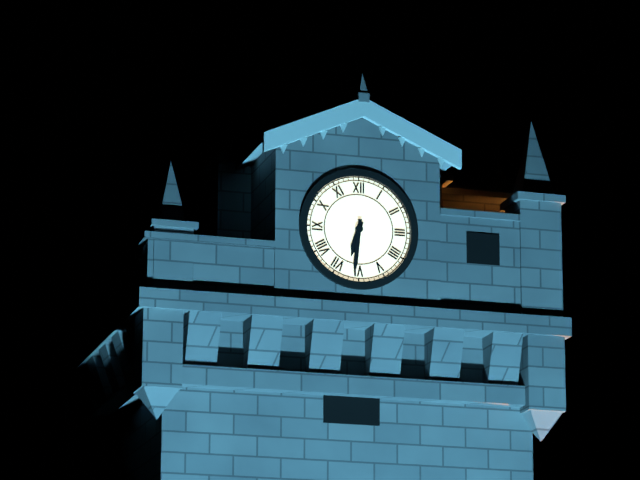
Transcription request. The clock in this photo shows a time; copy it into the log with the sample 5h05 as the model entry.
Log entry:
6h31
